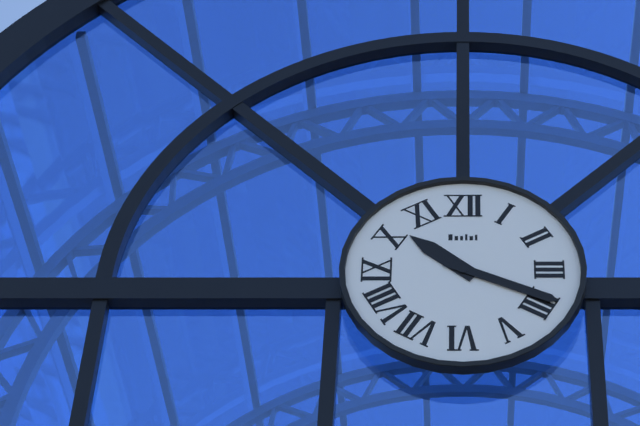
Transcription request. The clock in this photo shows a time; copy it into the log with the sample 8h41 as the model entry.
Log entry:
10h19
